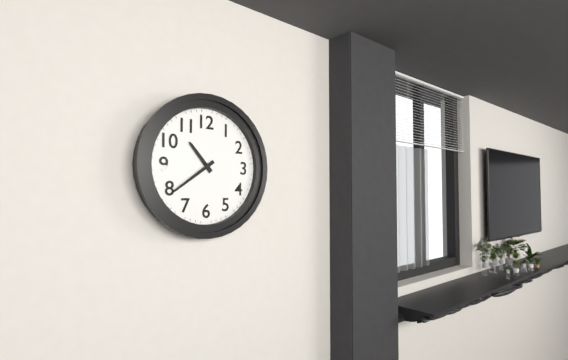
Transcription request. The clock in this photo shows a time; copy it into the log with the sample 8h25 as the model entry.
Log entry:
10h39
